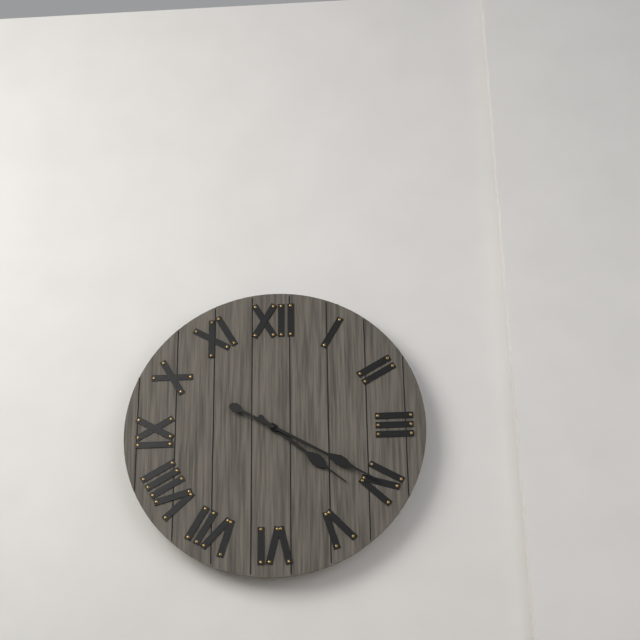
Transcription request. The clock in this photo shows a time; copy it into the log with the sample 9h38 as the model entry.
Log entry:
4h20
